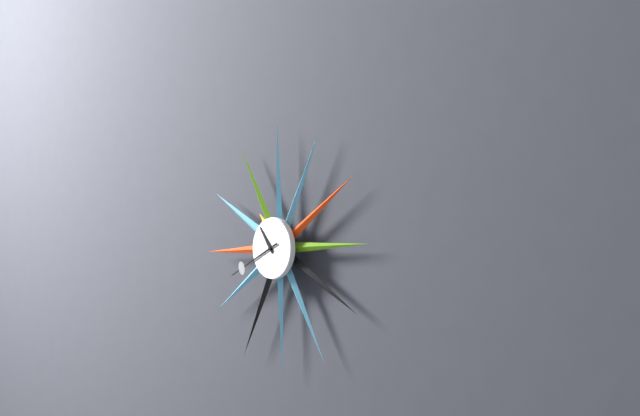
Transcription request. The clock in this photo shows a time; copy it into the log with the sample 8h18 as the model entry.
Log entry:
10h41
